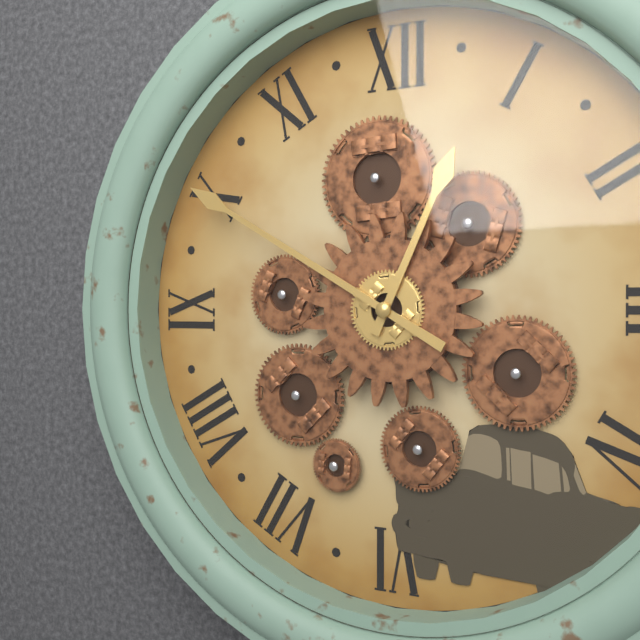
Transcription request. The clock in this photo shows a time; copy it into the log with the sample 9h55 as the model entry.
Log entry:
12h50
